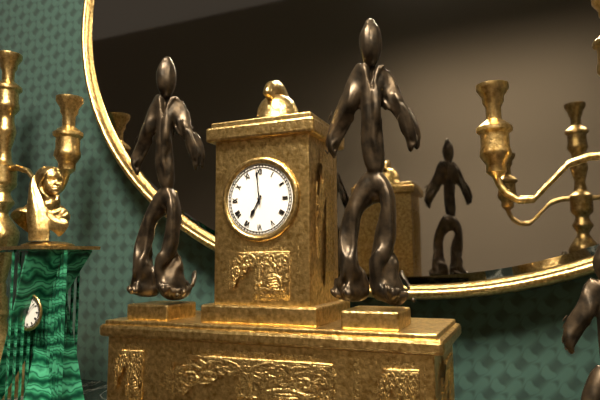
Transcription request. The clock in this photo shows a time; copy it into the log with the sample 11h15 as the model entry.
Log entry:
6h59
